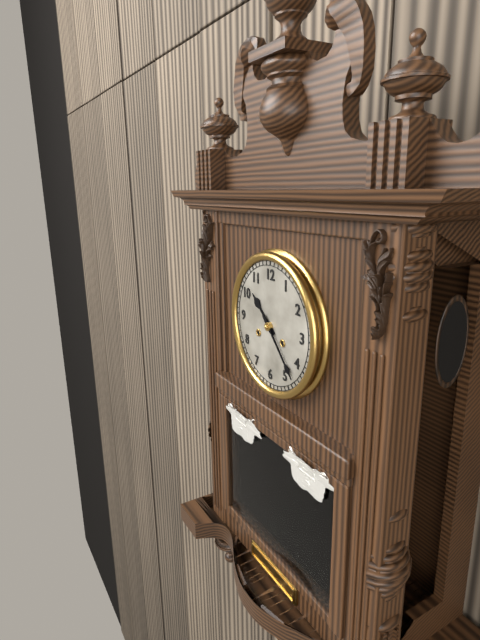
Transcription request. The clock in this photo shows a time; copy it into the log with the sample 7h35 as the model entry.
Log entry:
10h23
